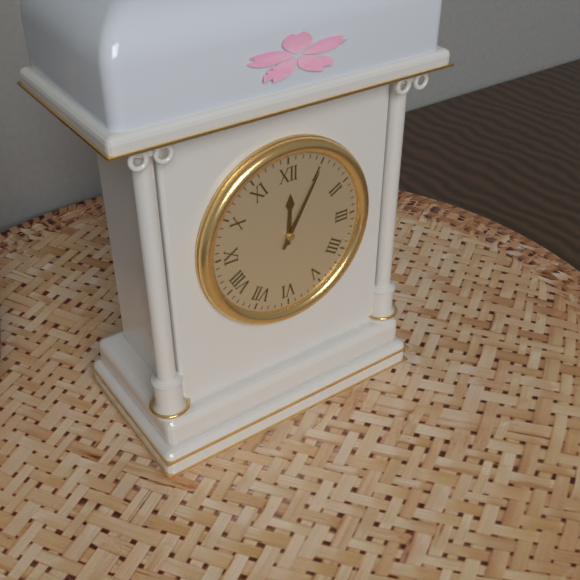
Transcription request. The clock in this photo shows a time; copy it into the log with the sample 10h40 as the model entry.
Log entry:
12h05
